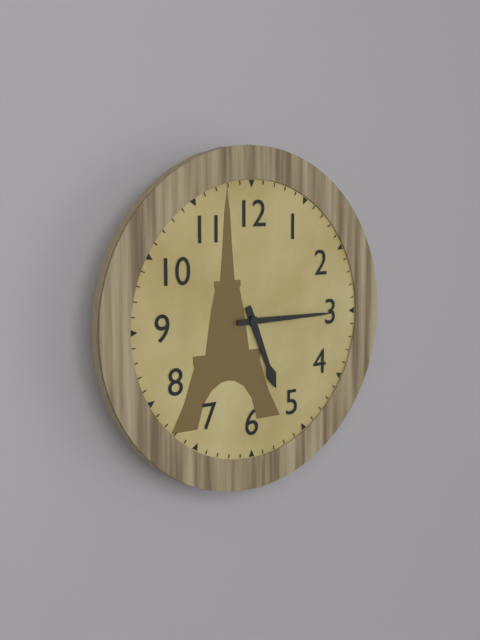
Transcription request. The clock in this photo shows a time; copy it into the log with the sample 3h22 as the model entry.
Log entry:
5h15
